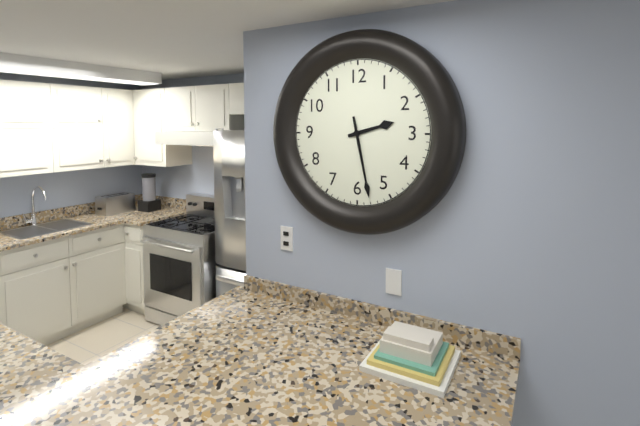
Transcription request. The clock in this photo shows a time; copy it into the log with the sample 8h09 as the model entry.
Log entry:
2h28
